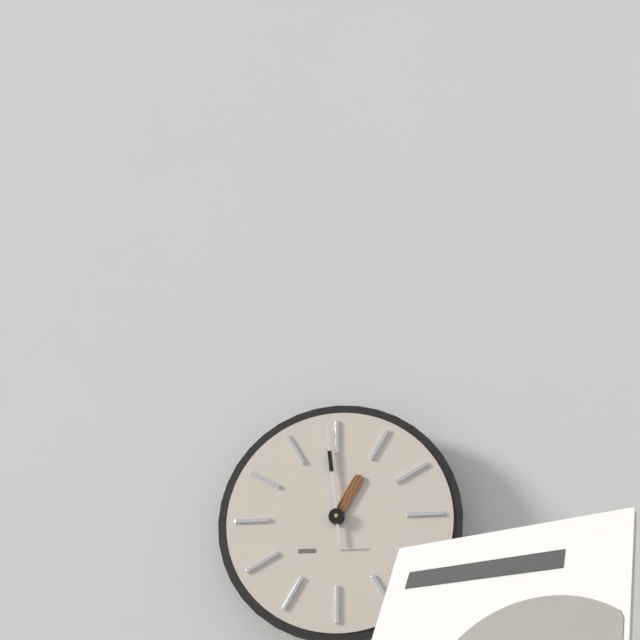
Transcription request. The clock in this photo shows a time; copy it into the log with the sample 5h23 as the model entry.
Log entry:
12h59
